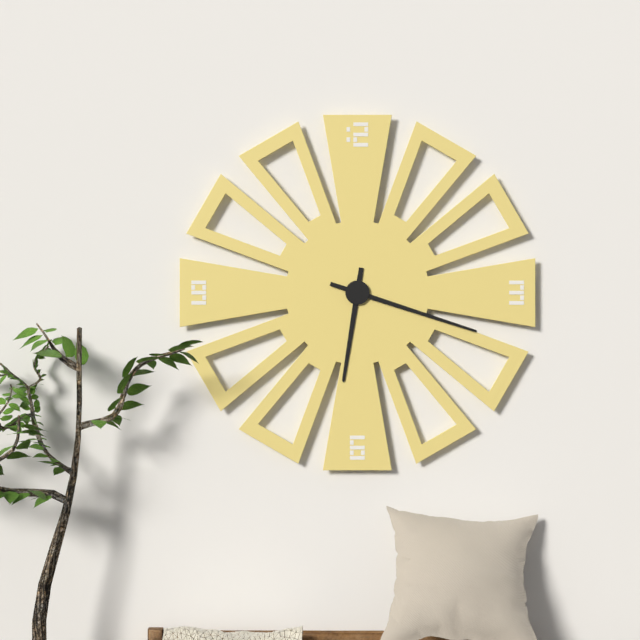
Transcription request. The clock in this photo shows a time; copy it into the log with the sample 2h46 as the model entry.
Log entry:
6h18
